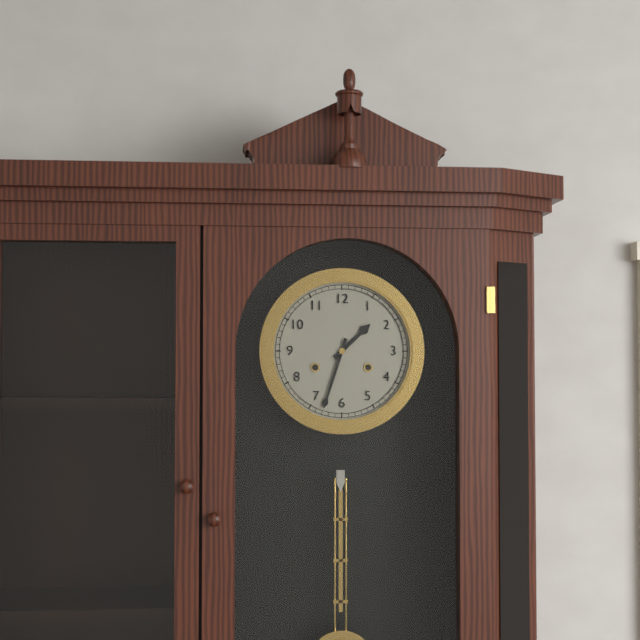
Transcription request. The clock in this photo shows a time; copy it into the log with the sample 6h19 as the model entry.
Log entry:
1h33
